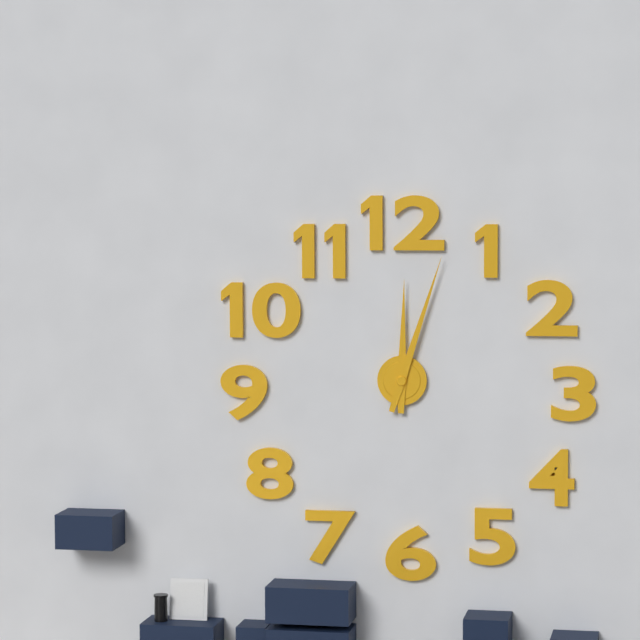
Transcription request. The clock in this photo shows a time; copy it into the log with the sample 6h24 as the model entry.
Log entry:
12h03
